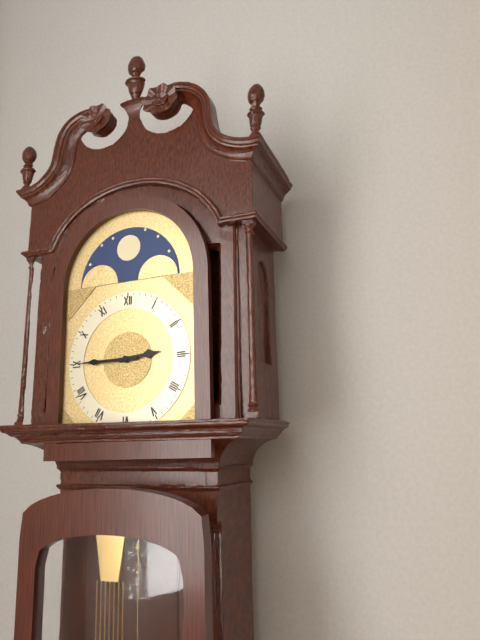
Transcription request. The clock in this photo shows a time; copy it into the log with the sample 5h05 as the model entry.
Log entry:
2h45
